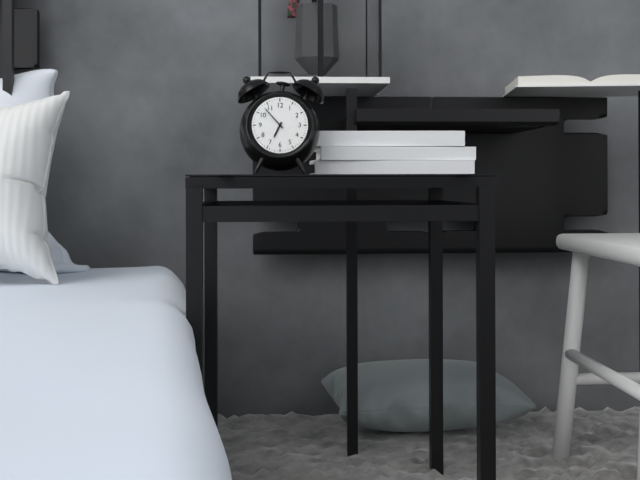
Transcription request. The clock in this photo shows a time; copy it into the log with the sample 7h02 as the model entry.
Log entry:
6h53
